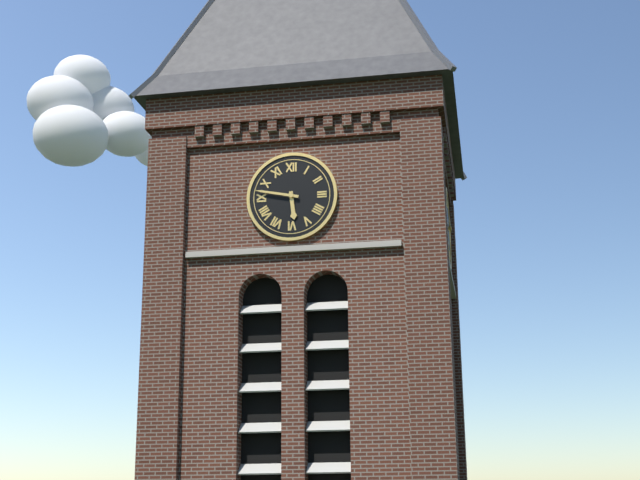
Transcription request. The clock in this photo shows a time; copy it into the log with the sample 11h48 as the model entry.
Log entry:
5h47
